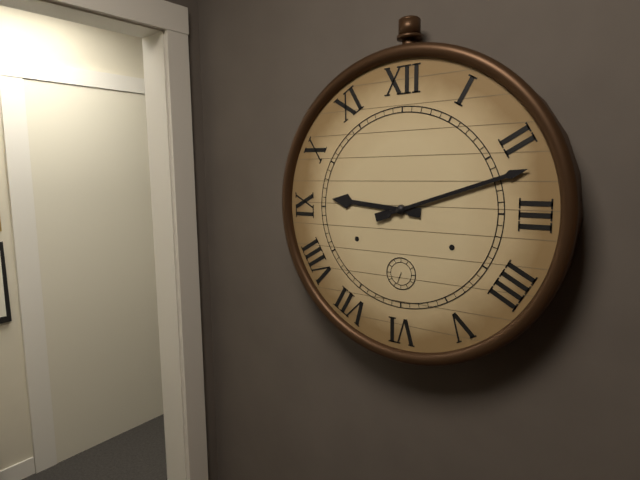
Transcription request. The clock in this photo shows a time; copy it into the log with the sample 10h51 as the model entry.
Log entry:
9h12
